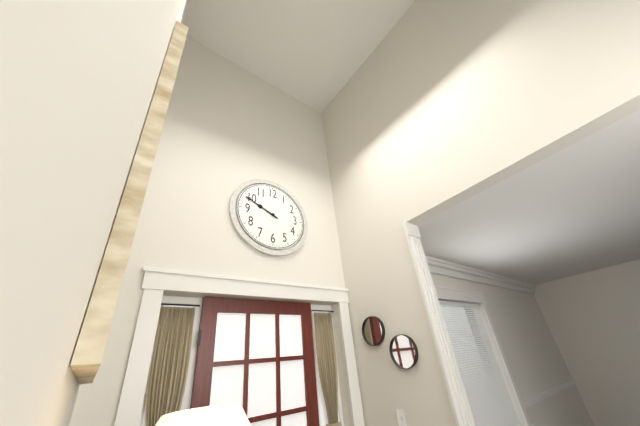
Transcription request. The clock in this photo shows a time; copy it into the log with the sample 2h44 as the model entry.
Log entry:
9h49
